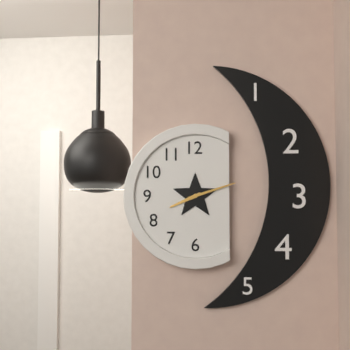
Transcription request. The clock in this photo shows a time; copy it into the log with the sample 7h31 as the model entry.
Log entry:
8h12
